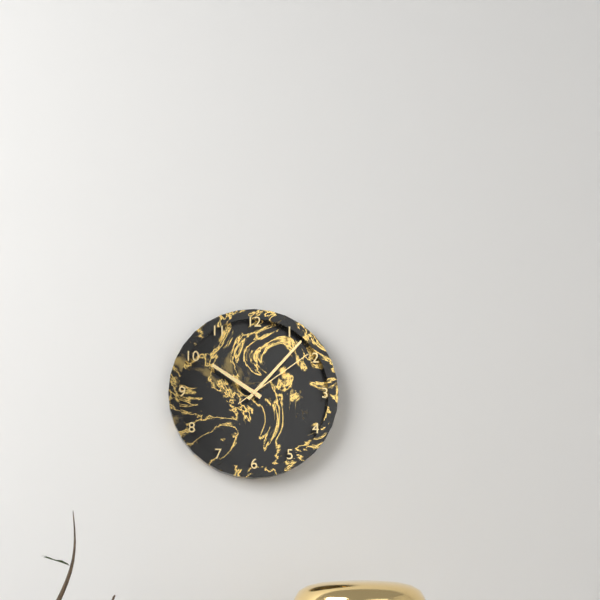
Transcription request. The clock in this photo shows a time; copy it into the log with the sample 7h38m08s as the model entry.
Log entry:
10h07m09s
